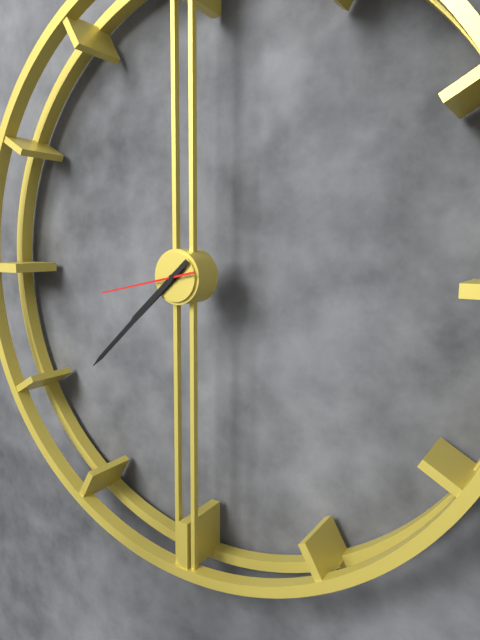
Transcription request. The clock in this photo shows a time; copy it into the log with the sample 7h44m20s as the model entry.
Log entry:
7h38m43s
